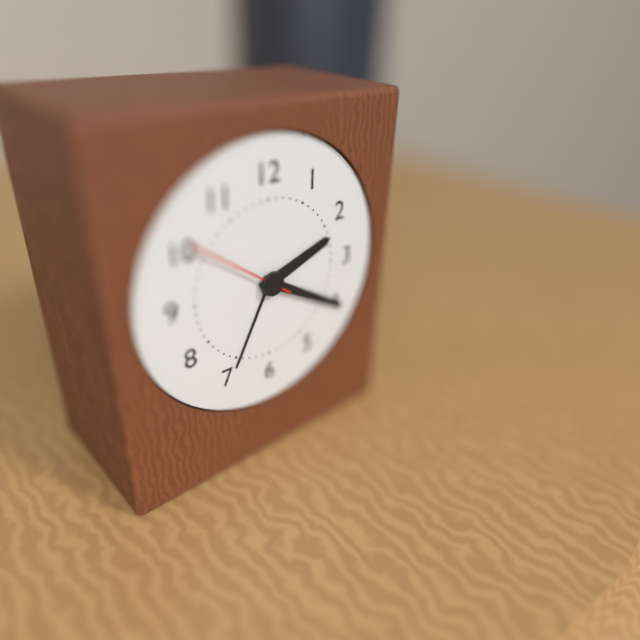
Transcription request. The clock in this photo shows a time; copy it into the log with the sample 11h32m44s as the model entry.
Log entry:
2h20m51s
